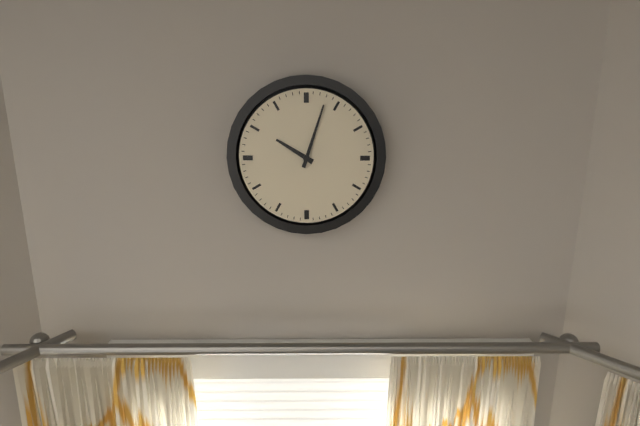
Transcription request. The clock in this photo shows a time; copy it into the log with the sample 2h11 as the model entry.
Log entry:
10h03
